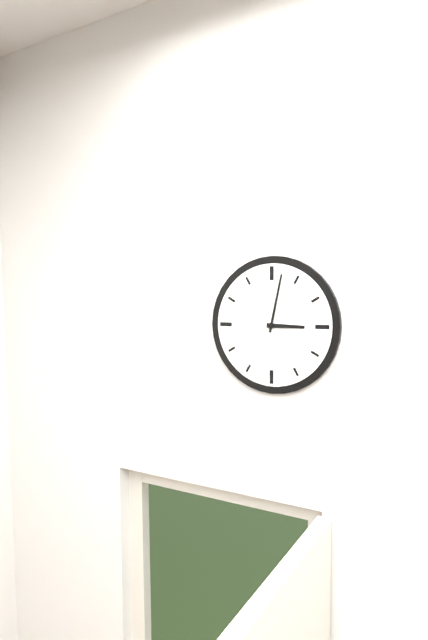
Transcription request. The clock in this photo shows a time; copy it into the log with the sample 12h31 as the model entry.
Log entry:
3h02
